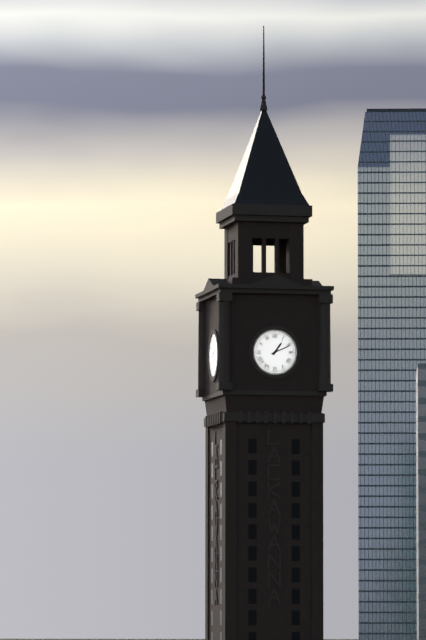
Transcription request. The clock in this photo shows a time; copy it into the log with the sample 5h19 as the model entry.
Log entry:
1h11
